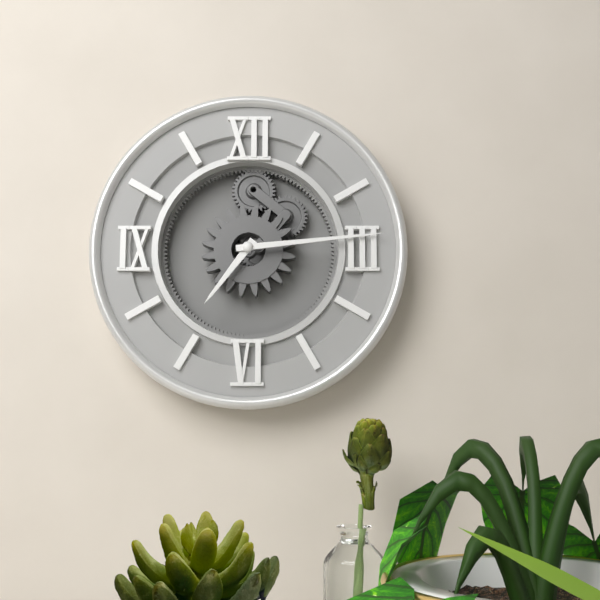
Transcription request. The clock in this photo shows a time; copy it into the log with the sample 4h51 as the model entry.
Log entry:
7h14
